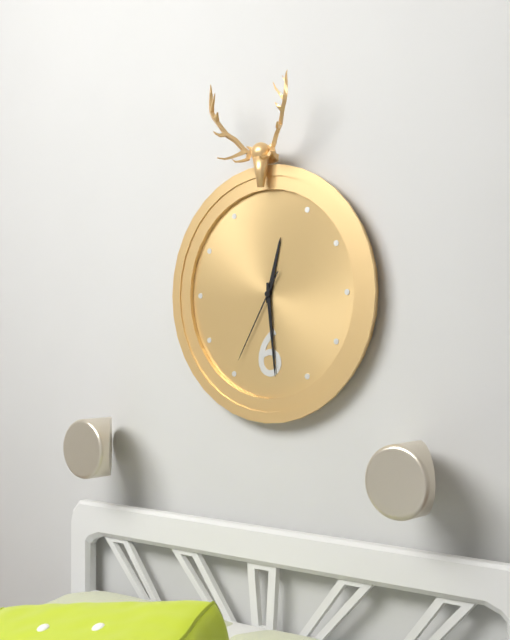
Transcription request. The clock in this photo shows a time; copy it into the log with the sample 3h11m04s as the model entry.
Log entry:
12h29m35s
